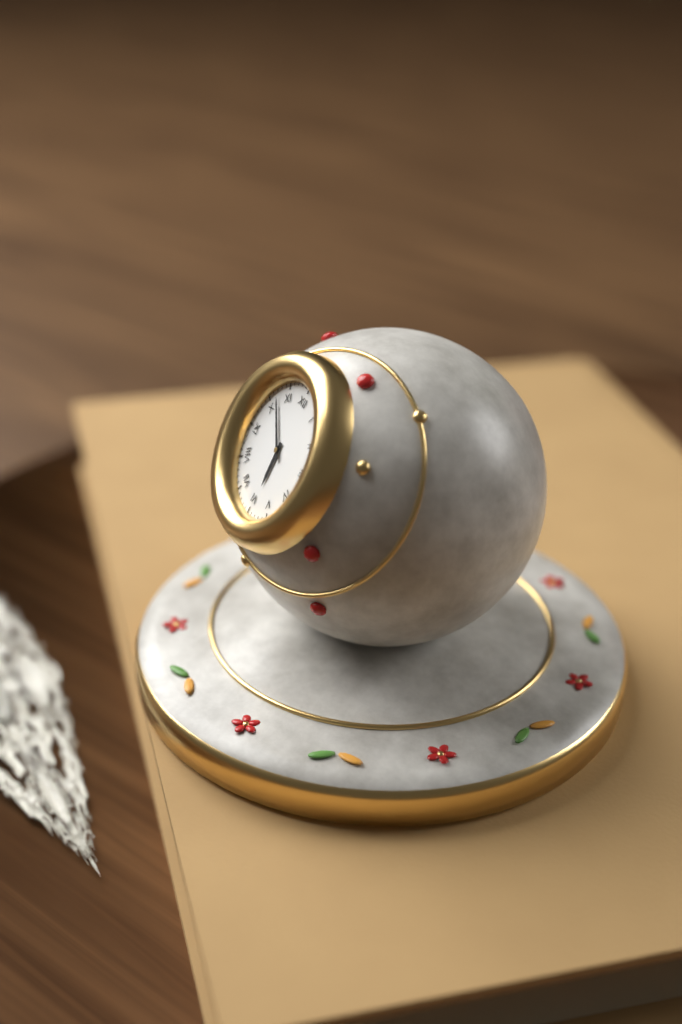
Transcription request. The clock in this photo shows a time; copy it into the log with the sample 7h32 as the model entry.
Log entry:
5h52
